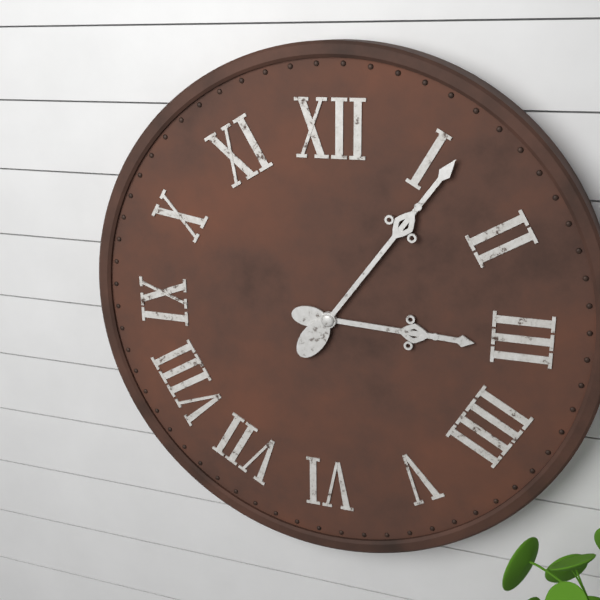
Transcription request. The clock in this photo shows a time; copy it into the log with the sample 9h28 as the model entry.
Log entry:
3h06
